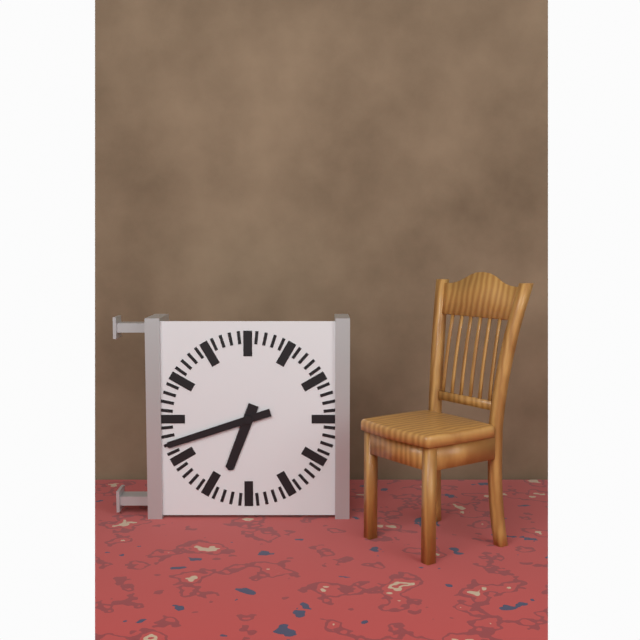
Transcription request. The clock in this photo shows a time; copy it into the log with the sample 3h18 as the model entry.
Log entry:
6h42
